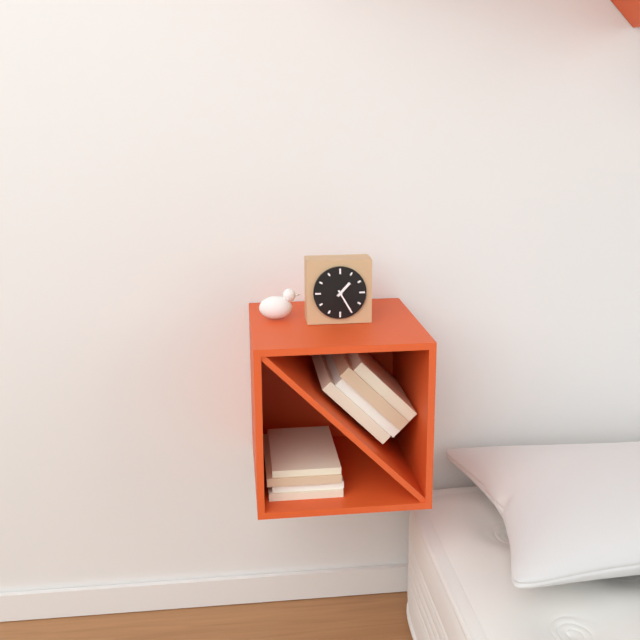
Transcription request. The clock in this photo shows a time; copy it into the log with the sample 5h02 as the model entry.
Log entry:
1h25
